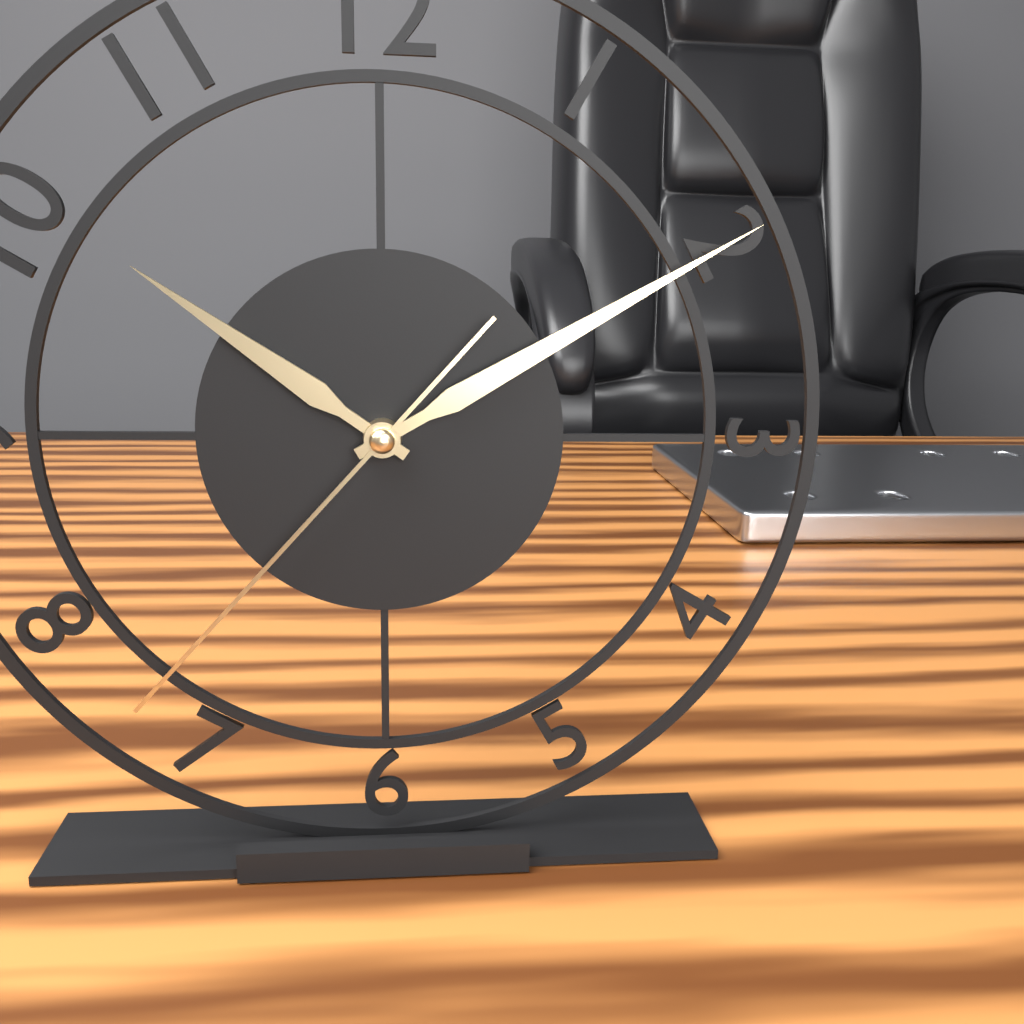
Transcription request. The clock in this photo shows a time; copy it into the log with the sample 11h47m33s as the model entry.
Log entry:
10h10m37s
